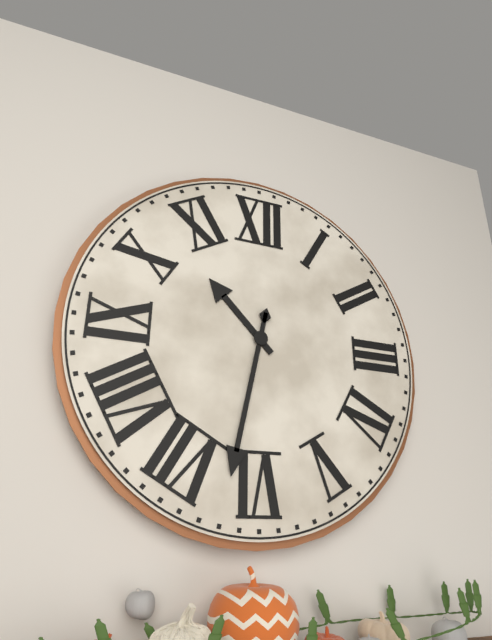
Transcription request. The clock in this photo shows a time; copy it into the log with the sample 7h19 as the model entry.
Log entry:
10h32
